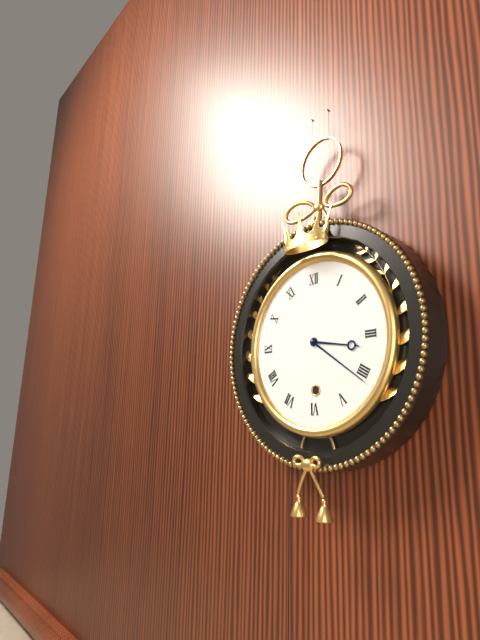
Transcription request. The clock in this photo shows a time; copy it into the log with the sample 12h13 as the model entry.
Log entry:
3h21
